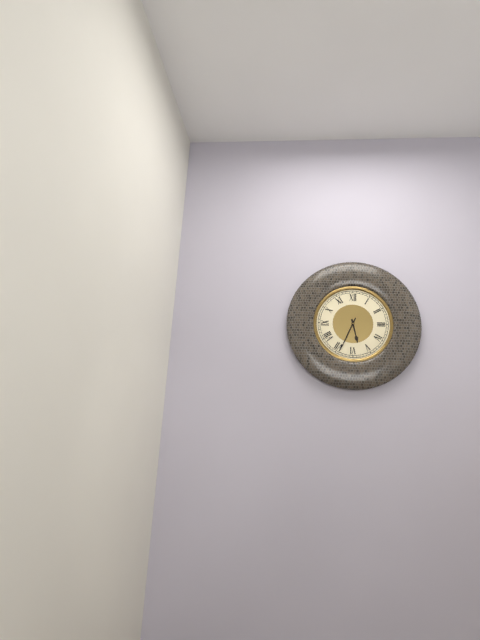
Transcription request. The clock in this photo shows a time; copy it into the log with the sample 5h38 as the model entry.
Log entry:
5h34
